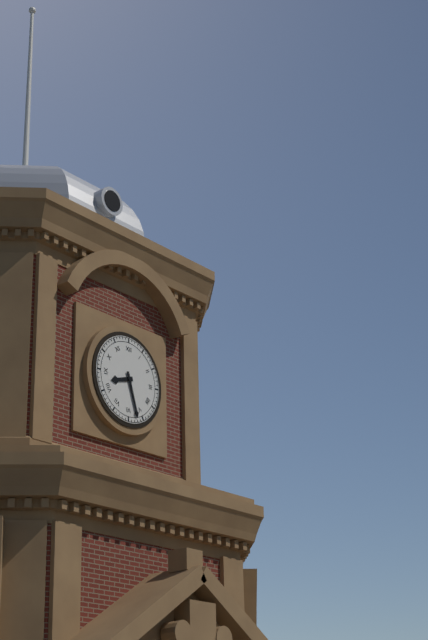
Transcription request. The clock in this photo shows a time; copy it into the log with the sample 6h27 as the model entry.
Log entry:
8h27
